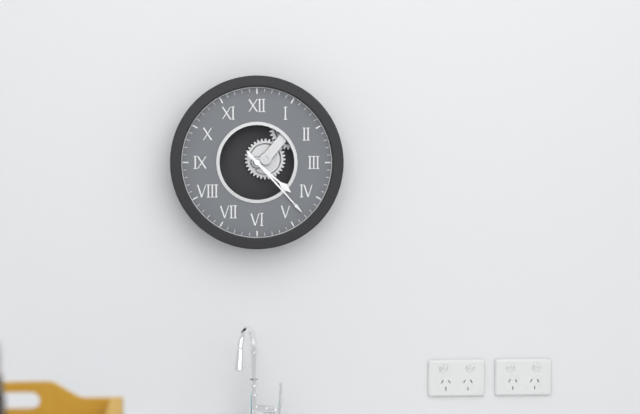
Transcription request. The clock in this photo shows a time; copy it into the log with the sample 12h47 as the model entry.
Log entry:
4h23
